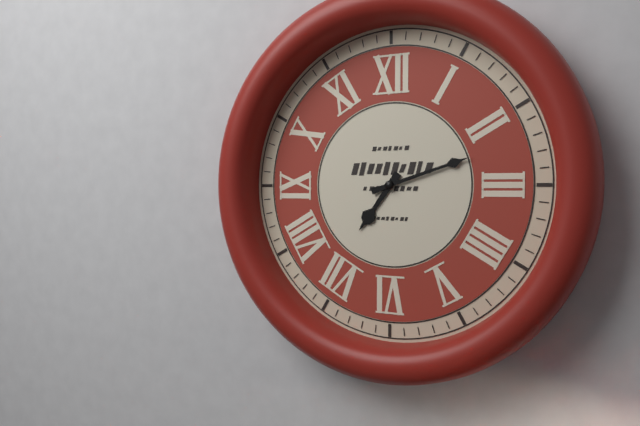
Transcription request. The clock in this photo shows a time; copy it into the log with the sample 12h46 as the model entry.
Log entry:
7h12
